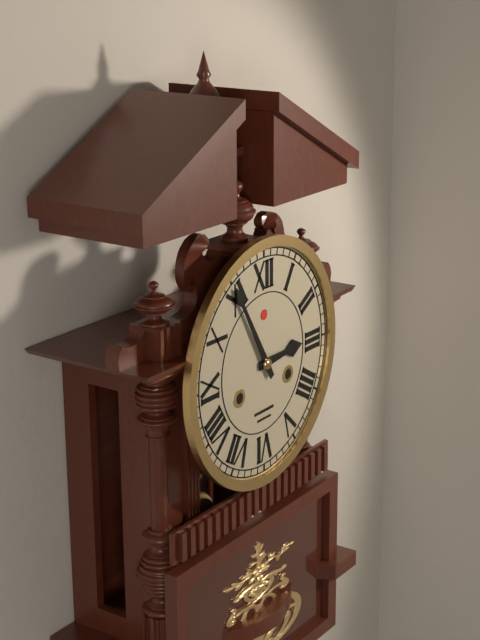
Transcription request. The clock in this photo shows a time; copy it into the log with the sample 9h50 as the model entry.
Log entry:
2h55
